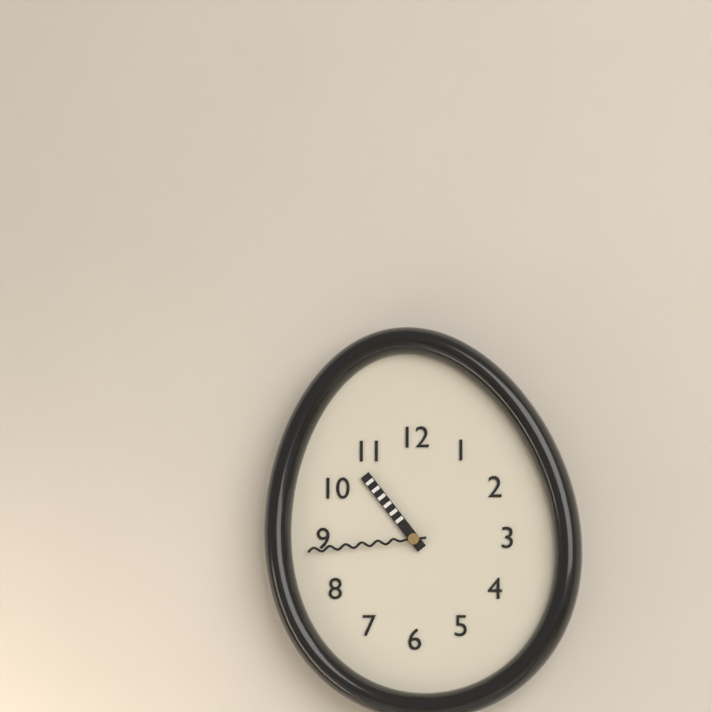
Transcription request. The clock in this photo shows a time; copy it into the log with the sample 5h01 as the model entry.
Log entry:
10h44
